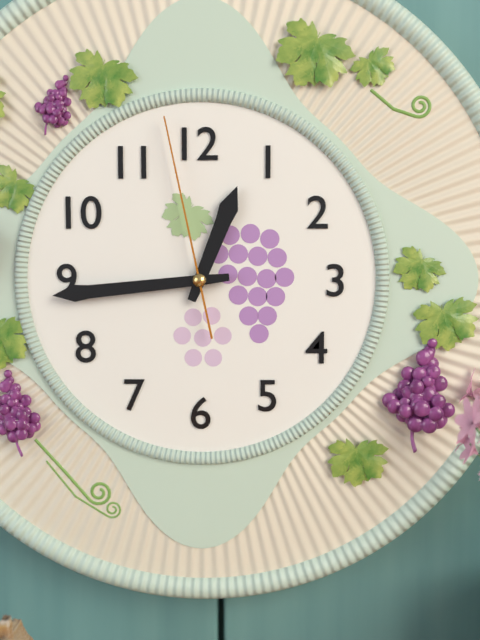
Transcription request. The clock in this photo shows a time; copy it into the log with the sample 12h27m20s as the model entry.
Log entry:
12h44m58s
